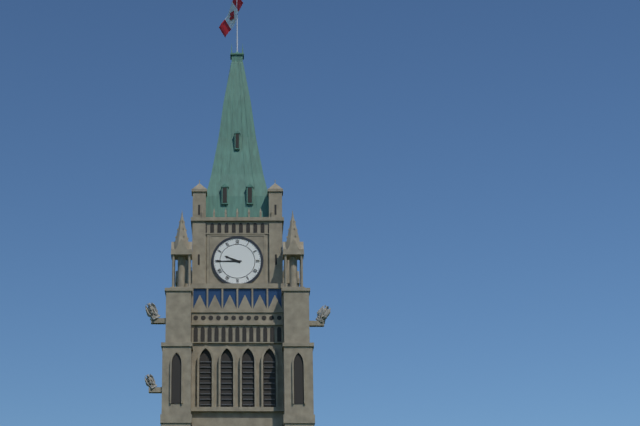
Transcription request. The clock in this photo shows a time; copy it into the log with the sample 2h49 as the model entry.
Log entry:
9h45
